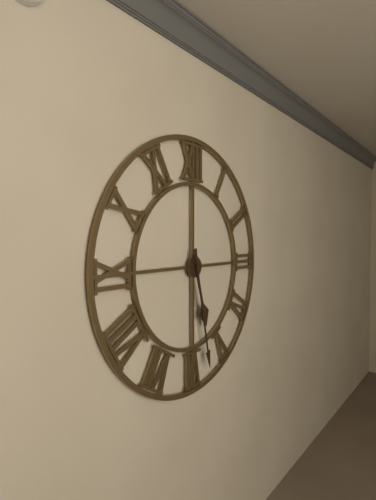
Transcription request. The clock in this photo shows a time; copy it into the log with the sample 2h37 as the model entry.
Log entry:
5h28
